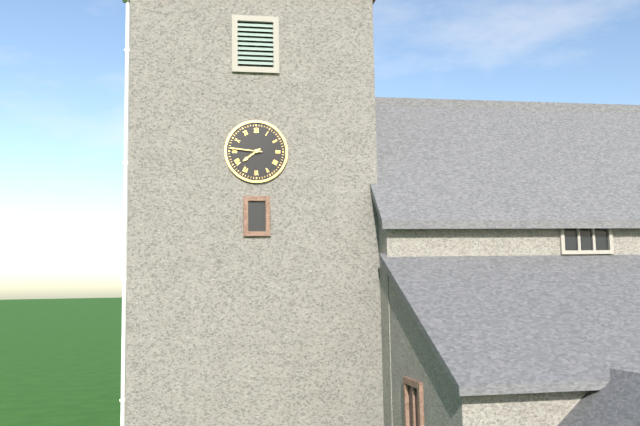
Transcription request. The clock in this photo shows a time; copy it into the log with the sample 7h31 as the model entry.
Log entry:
7h46
